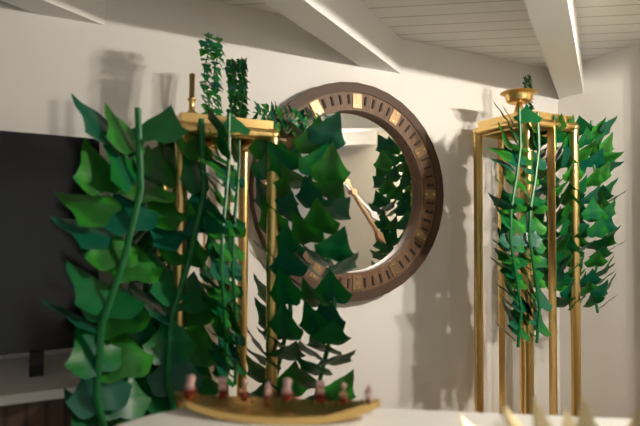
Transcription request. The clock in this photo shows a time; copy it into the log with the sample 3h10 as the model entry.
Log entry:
4h24
